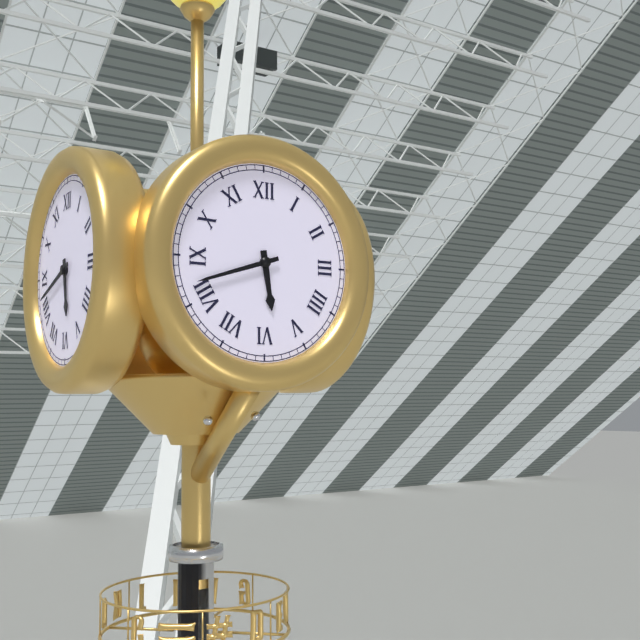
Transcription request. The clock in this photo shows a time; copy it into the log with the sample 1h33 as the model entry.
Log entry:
5h42
